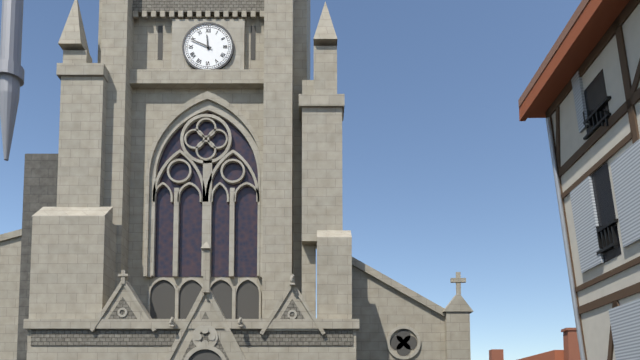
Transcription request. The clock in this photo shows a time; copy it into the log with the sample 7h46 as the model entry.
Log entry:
11h49
